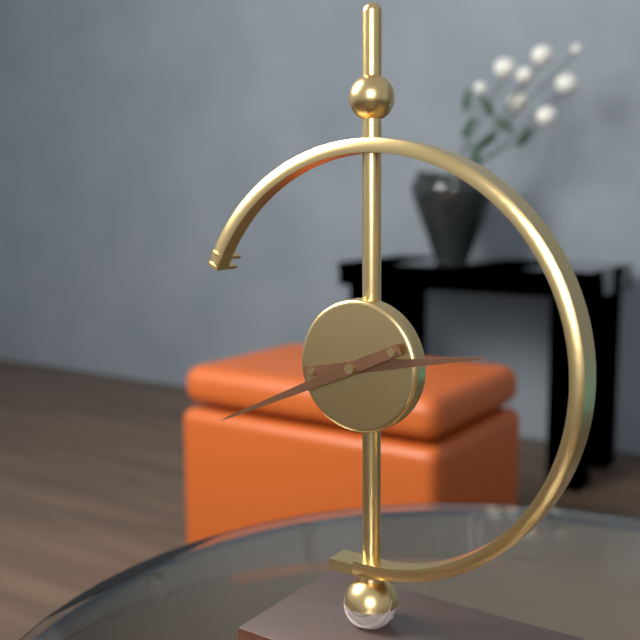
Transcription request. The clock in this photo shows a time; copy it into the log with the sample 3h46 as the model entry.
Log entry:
2h41
